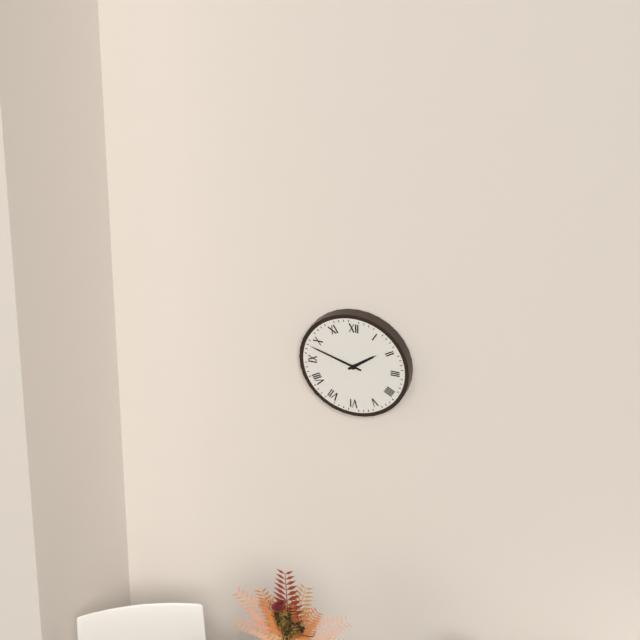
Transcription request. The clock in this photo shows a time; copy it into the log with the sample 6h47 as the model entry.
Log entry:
1h48
